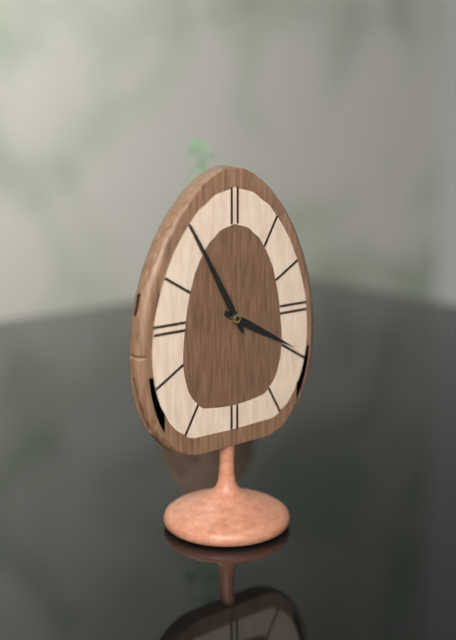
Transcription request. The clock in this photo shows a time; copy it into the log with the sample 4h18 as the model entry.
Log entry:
3h55
